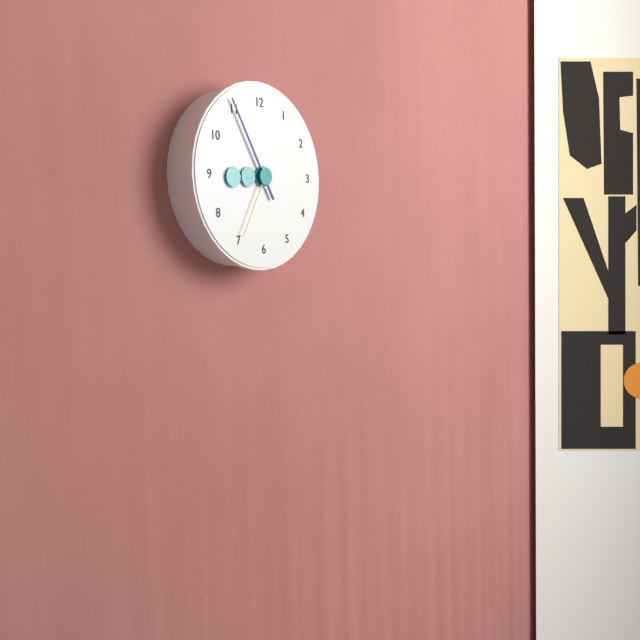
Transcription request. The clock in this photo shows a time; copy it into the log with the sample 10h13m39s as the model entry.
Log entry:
8h55m35s
